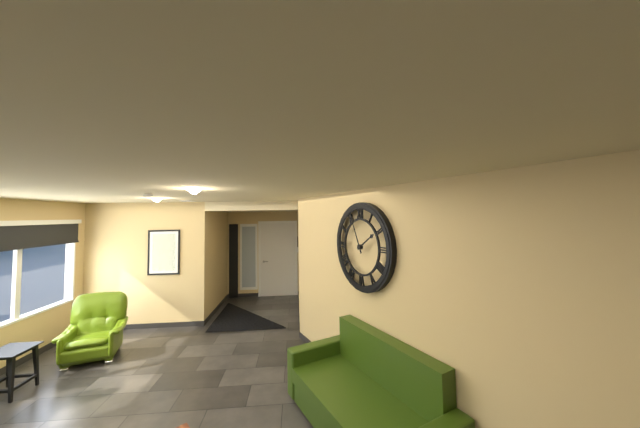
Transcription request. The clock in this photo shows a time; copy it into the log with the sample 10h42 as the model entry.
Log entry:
1h56
